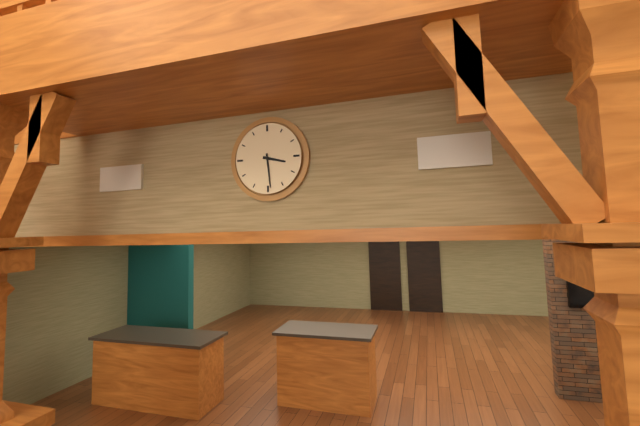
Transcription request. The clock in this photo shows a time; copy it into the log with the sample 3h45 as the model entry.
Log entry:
3h29
